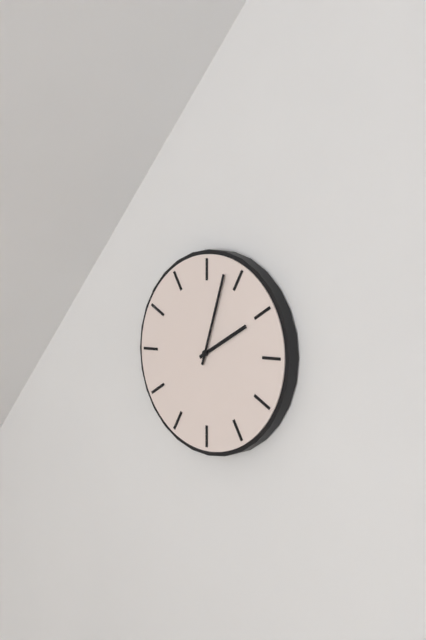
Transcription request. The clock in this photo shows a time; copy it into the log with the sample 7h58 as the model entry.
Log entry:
2h03
